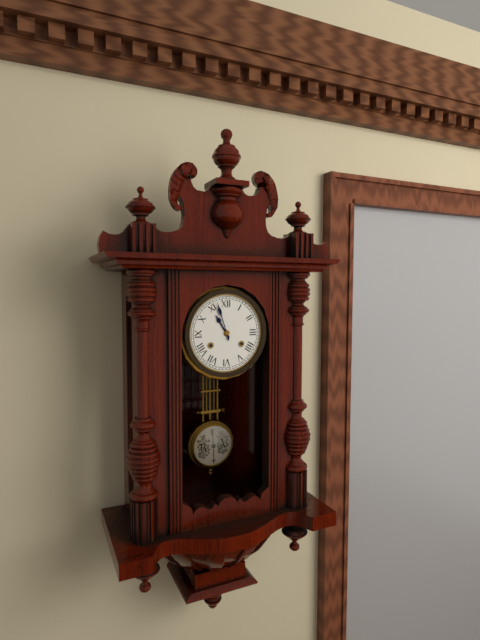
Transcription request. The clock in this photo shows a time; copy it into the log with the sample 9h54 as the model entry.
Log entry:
10h57
